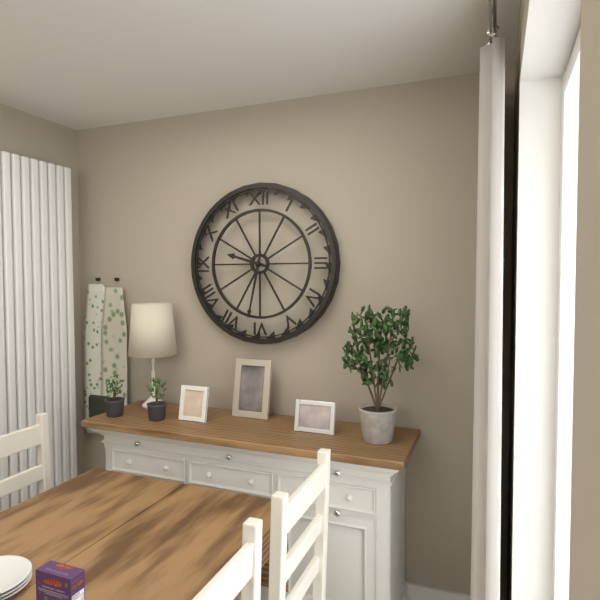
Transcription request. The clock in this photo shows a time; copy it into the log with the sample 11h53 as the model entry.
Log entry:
9h32
